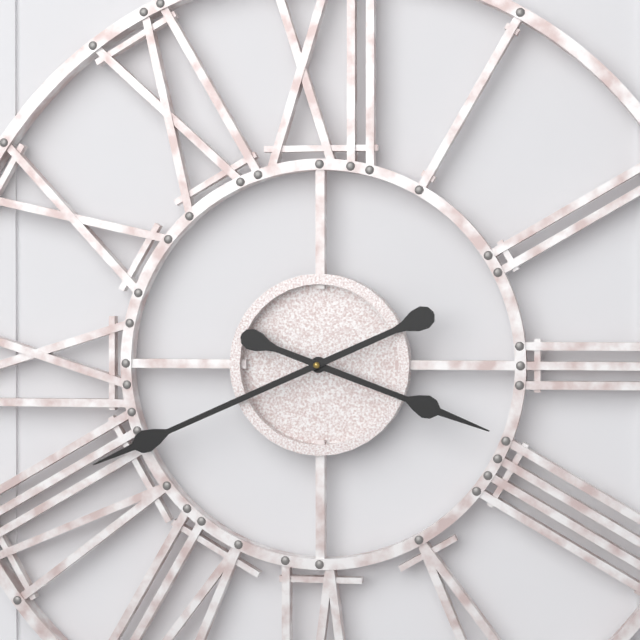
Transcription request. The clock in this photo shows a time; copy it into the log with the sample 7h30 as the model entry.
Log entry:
3h41
